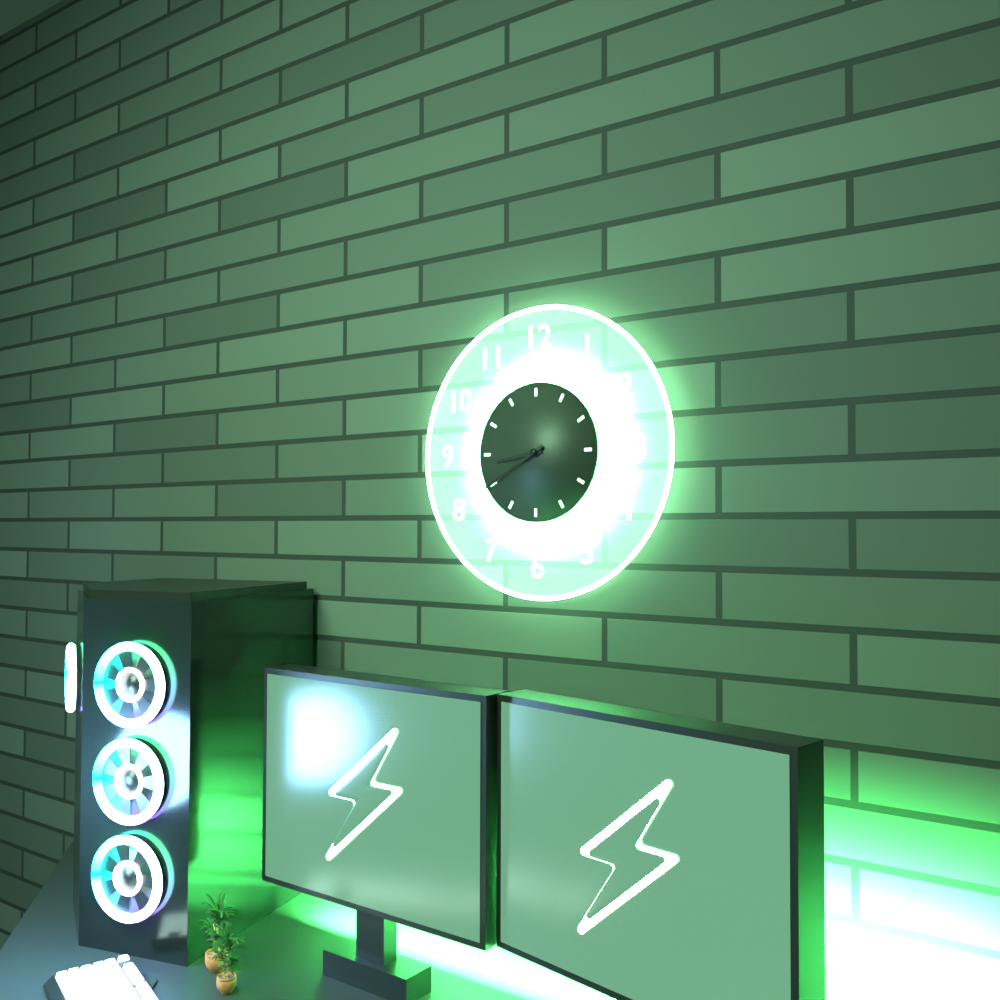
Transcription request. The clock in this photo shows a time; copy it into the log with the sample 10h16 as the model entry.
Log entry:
8h40
